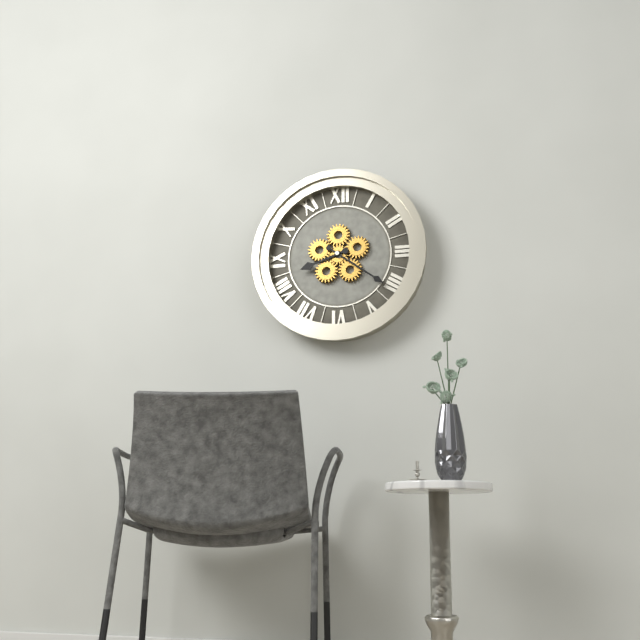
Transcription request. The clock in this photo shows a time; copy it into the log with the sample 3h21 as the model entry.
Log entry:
8h21
